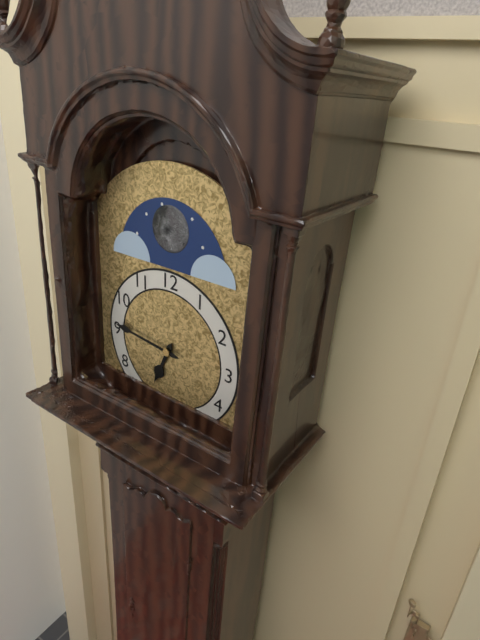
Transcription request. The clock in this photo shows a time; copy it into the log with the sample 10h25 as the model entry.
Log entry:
6h46
